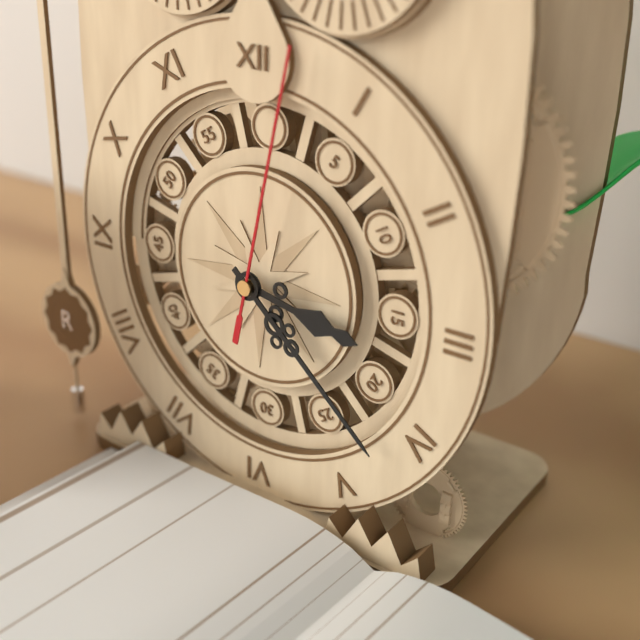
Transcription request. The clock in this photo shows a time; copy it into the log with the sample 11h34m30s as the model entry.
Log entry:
3h22m02s
